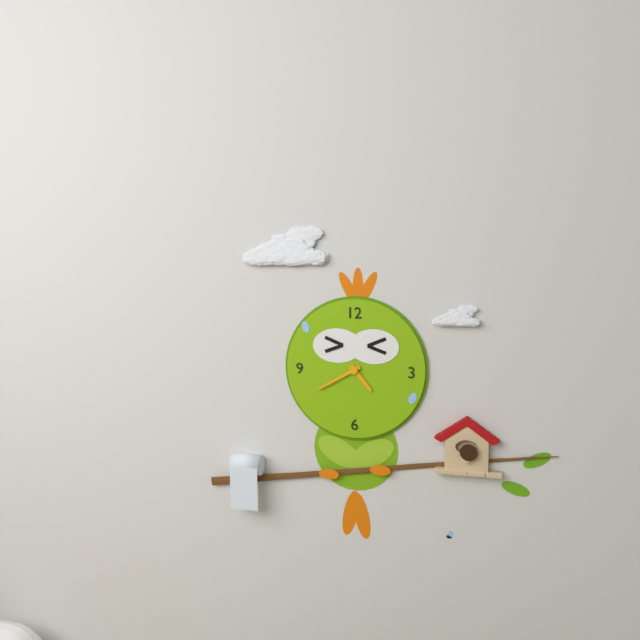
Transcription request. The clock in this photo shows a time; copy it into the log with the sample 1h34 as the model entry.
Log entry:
4h40
